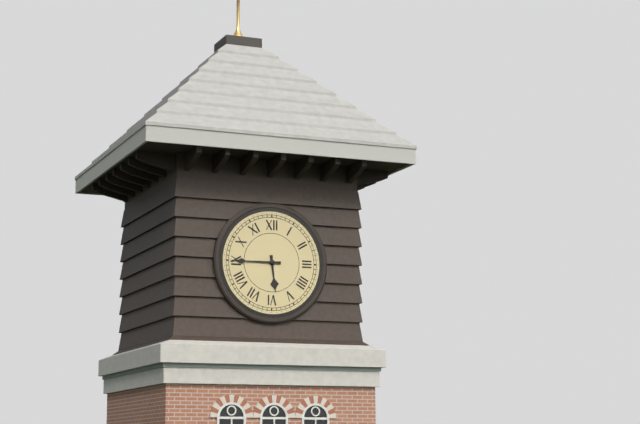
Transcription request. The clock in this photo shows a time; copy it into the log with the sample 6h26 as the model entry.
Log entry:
5h45
